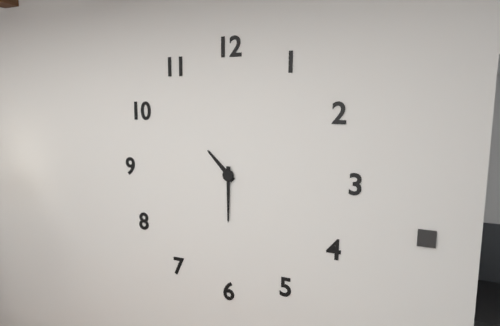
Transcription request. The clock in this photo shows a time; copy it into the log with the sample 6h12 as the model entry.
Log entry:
10h30
